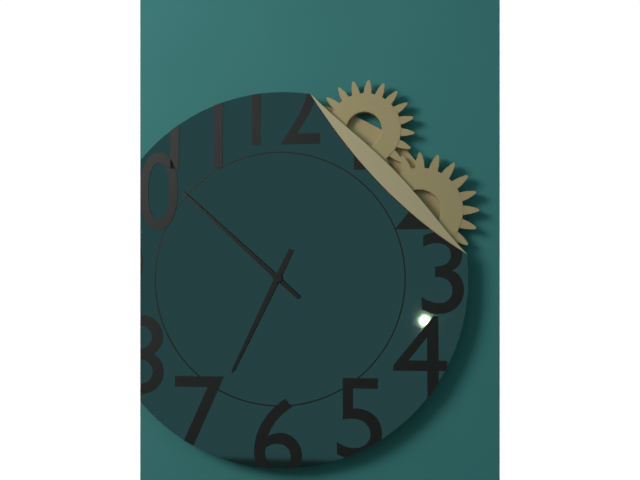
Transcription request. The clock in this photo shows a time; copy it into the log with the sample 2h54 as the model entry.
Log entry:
6h52
